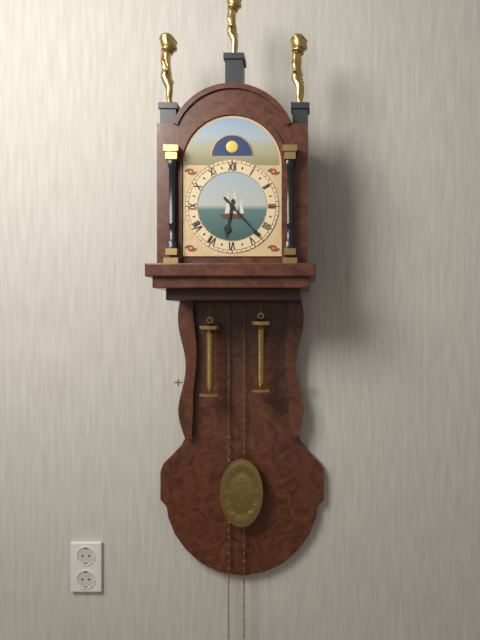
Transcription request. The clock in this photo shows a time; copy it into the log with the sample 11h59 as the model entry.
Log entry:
6h23
